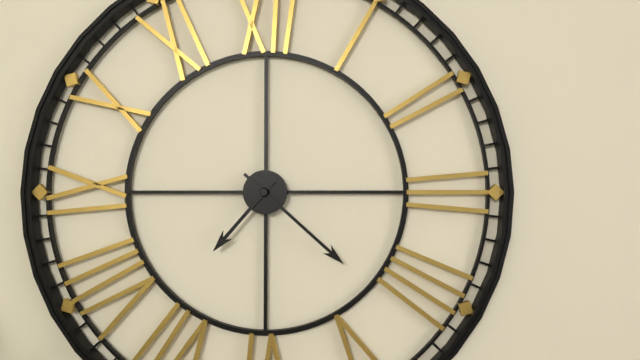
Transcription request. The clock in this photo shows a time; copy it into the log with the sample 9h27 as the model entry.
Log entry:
7h22
